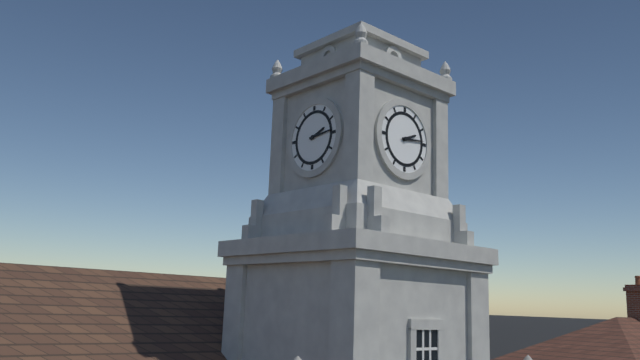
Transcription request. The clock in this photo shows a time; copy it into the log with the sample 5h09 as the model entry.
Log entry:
2h14
